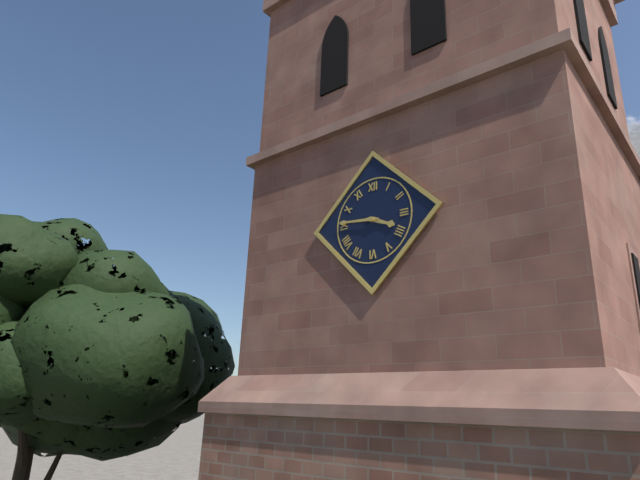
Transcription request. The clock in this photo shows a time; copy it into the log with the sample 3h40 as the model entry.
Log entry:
3h46
